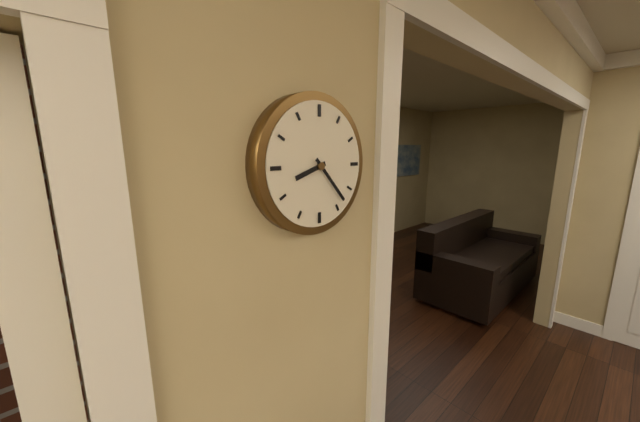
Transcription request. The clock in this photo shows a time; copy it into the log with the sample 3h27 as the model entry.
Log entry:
8h23
